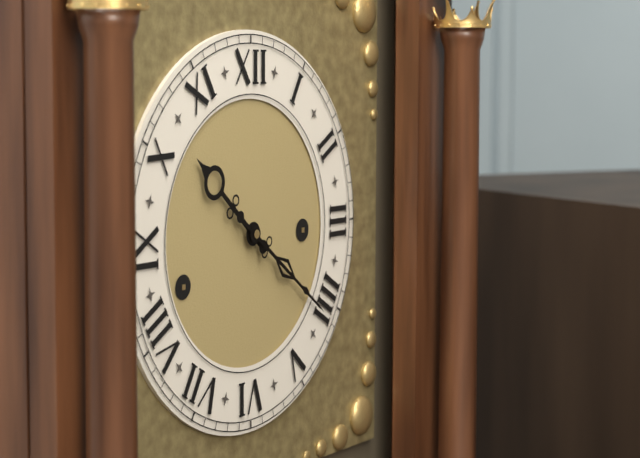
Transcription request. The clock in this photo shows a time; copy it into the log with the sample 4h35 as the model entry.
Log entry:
10h21
